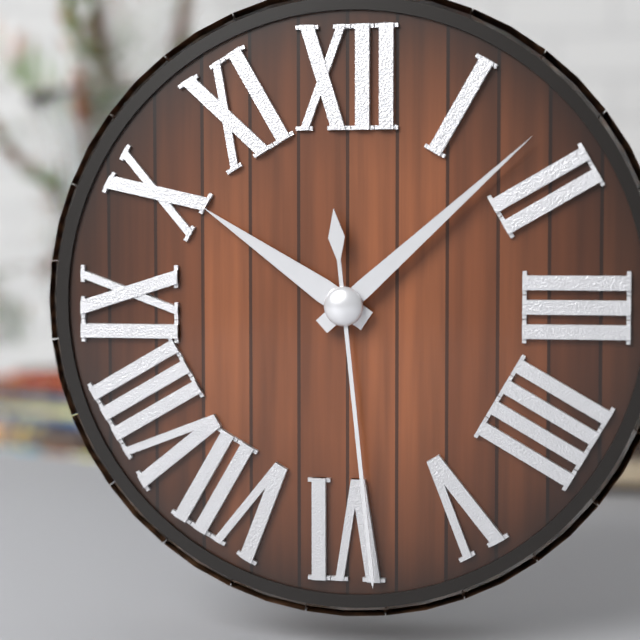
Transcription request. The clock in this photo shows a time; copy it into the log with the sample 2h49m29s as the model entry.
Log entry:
10h08m29s
